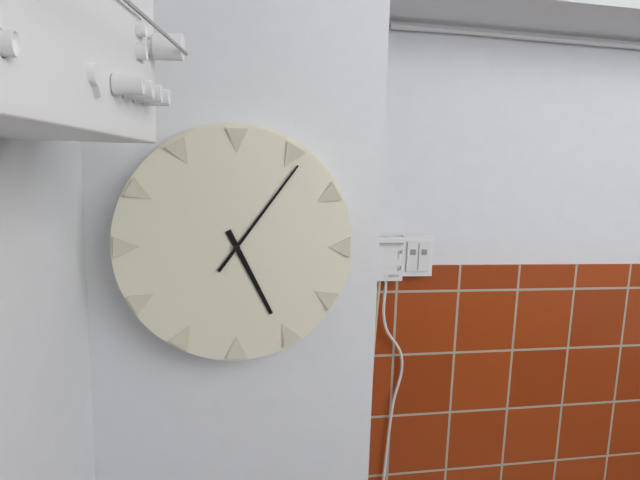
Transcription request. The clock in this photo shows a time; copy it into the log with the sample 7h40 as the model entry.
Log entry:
5h06
